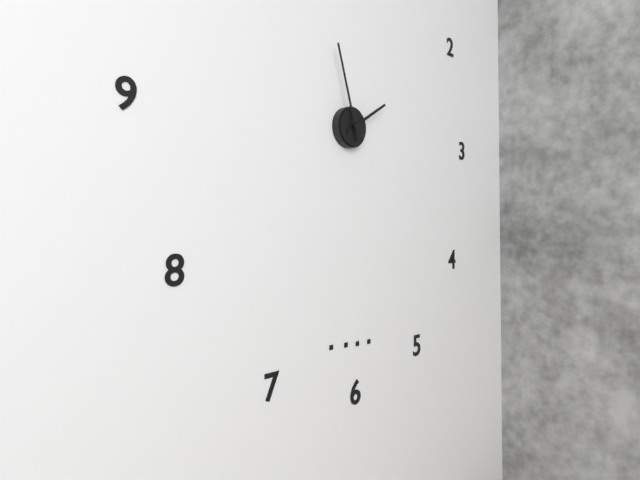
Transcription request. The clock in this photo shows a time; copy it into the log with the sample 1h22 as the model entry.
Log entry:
1h57
